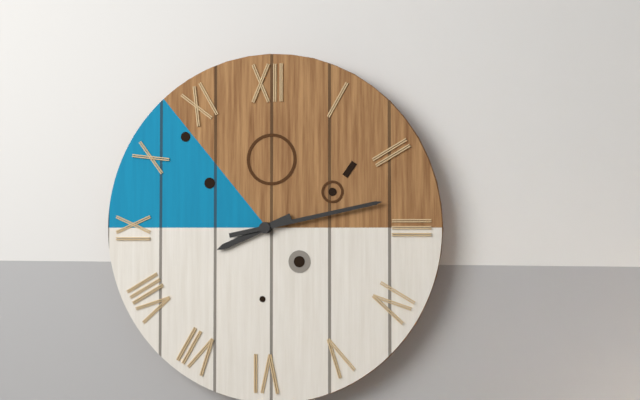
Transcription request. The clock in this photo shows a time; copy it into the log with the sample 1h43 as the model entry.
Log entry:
8h13
